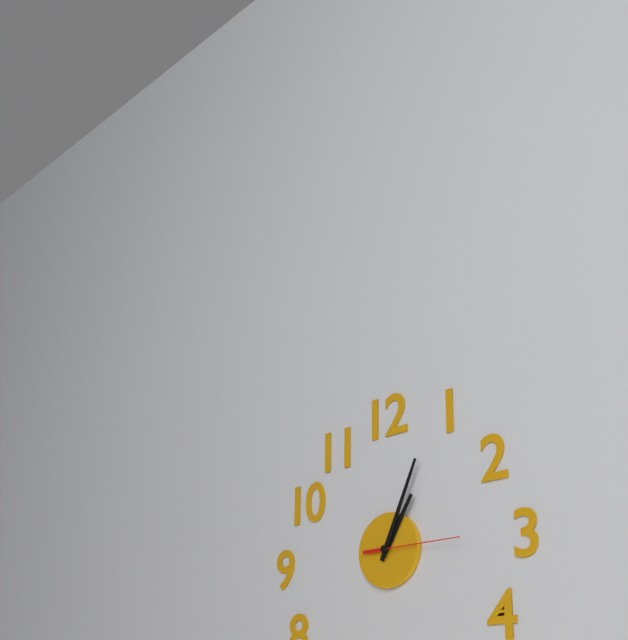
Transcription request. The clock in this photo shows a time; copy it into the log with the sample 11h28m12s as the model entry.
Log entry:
1h04m15s
